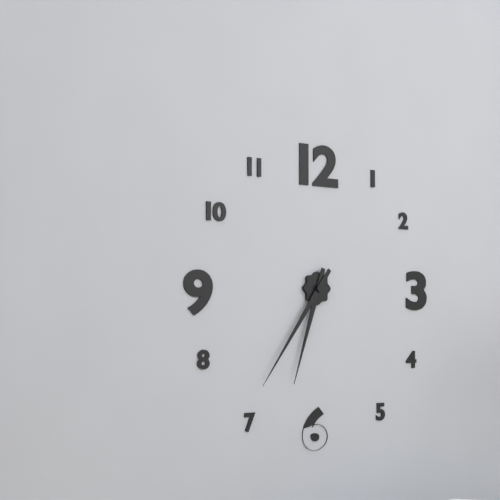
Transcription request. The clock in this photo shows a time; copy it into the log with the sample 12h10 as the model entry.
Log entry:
6h36
